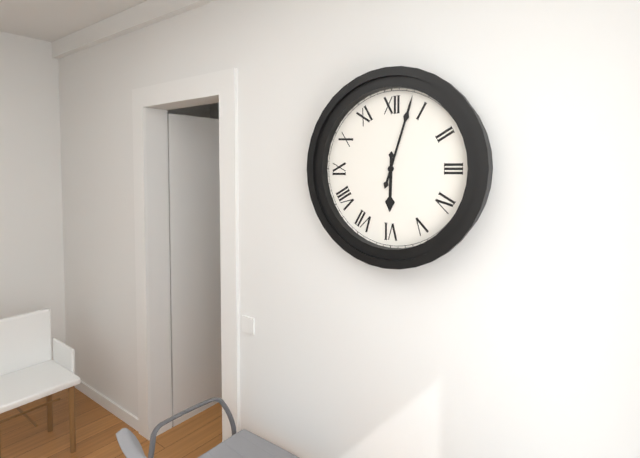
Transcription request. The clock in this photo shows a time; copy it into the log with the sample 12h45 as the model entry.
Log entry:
6h03
